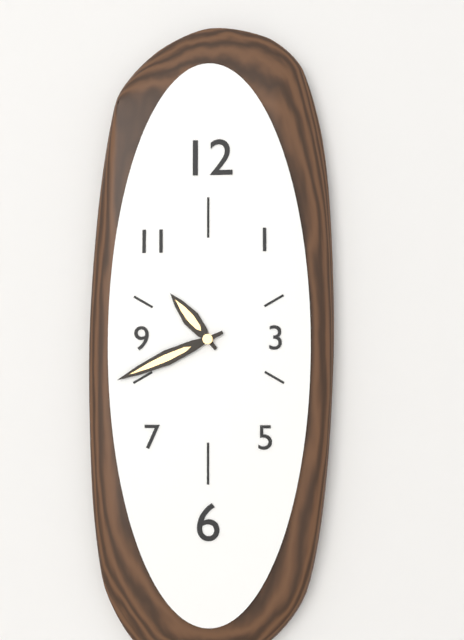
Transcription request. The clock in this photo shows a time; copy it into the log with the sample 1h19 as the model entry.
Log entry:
10h41
